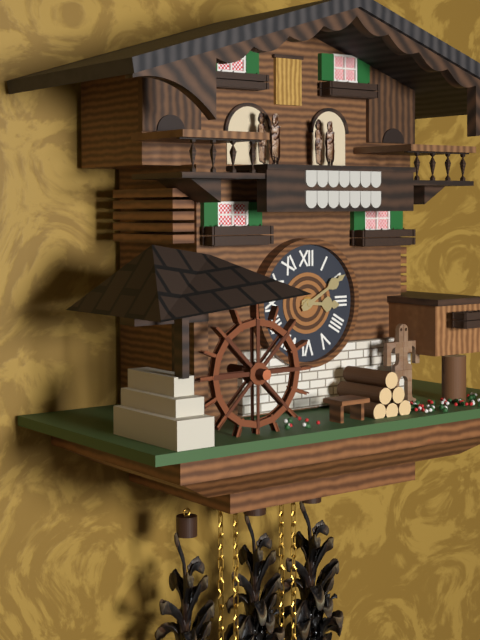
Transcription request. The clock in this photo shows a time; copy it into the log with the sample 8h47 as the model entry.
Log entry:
3h10
